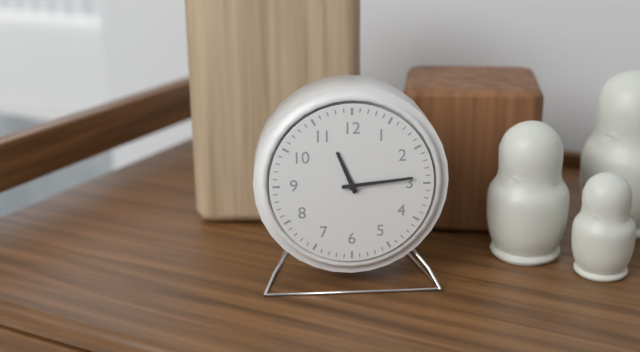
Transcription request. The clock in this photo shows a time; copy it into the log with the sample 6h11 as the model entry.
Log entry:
11h14
